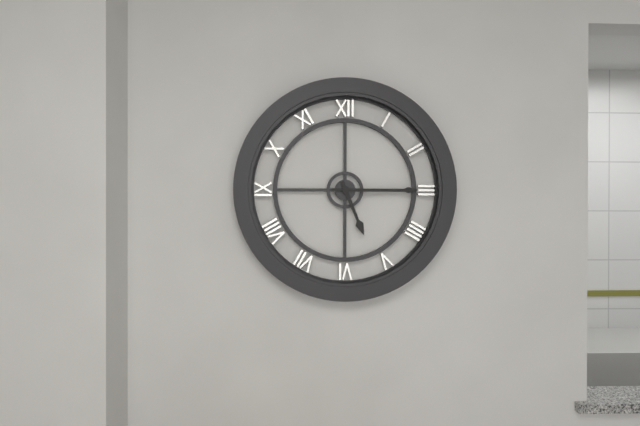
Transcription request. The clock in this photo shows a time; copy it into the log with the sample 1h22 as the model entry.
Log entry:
5h15
